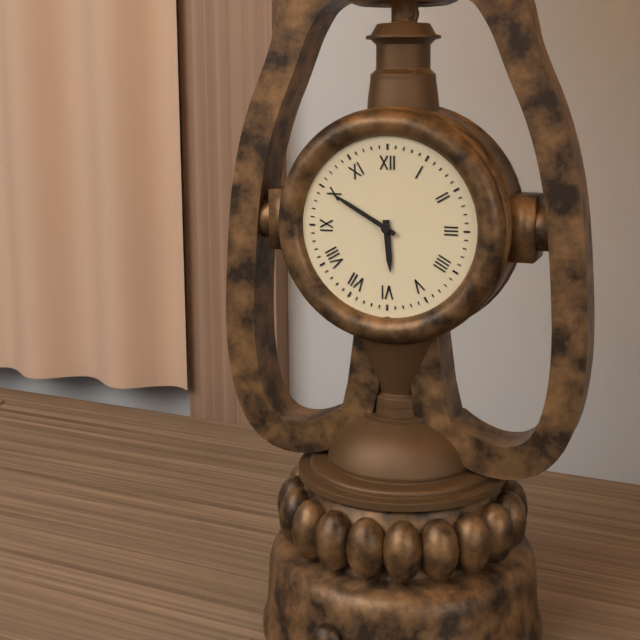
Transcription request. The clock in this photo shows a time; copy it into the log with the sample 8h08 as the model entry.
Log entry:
5h50
